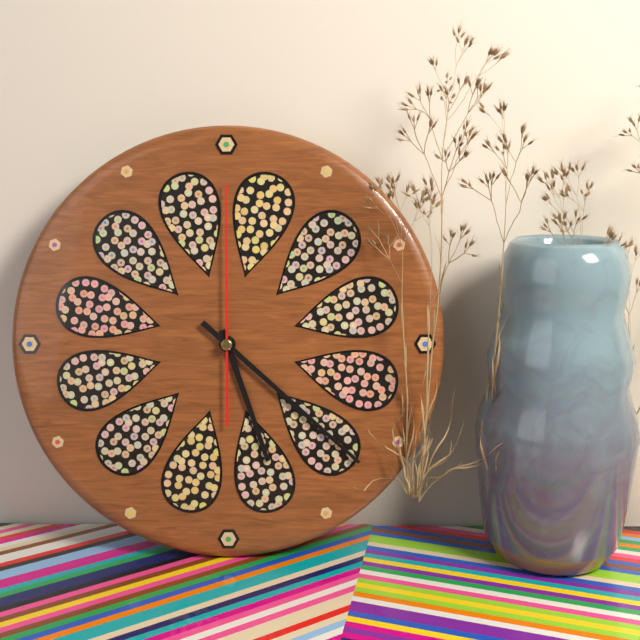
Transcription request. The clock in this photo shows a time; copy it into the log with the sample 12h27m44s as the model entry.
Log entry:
5h22m00s
